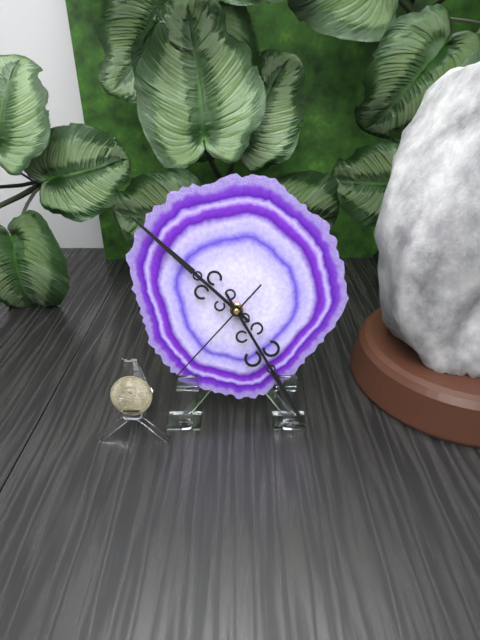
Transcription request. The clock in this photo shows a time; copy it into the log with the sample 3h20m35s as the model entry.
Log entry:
10h25m37s
